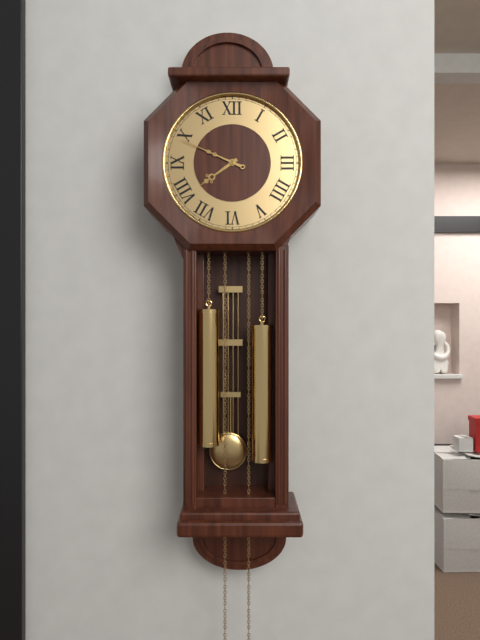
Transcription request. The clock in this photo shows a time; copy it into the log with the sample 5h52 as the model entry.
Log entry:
7h49
